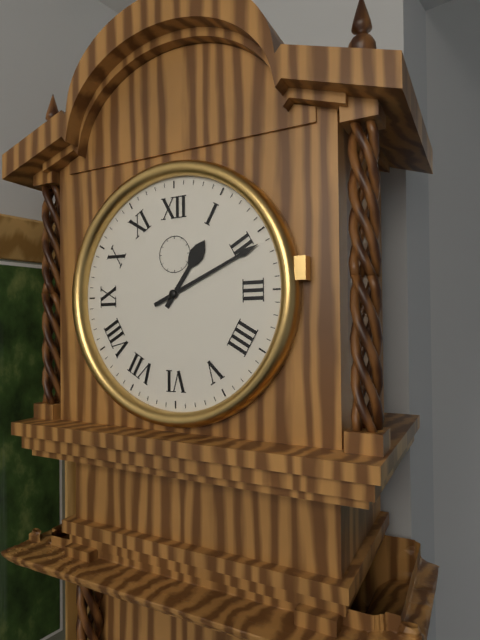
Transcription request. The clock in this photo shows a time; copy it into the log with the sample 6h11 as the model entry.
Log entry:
1h11
